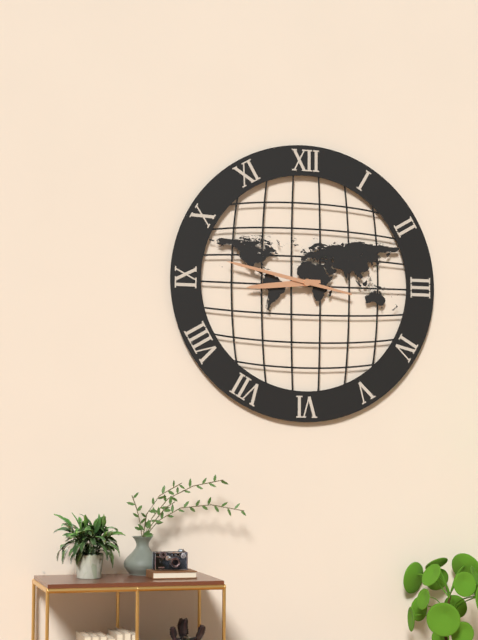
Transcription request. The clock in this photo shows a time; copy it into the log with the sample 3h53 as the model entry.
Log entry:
8h47
